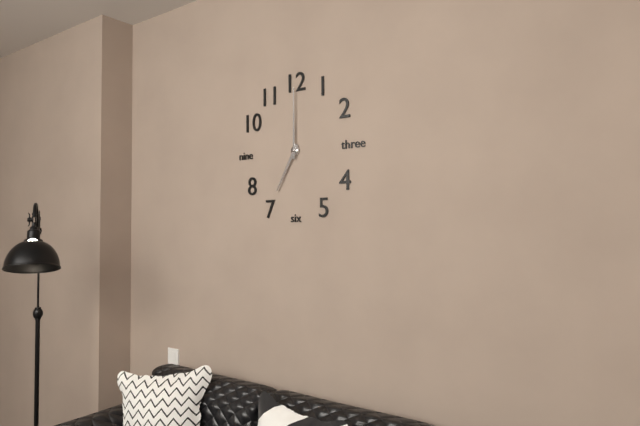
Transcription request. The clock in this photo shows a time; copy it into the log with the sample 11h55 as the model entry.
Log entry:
7h00
